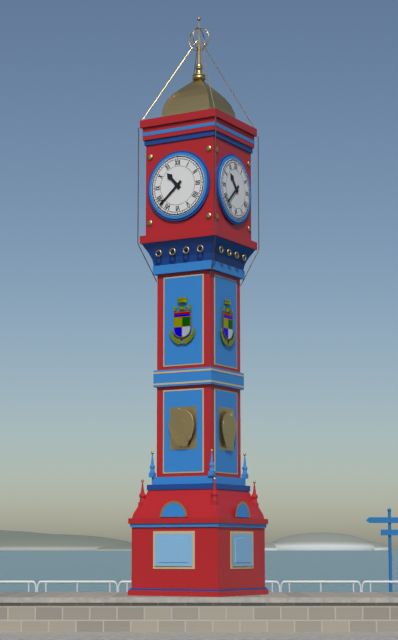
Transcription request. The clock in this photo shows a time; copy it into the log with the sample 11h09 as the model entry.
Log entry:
10h38
